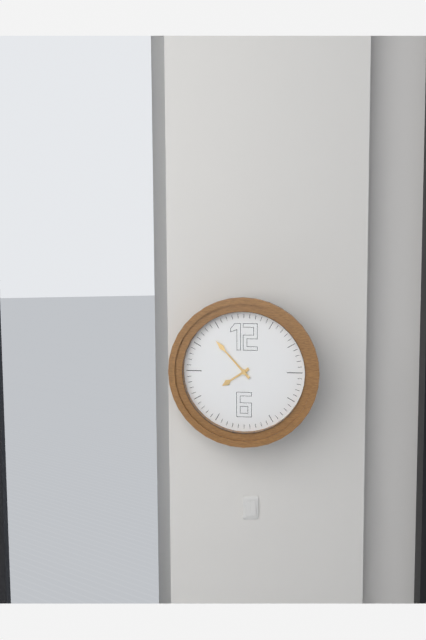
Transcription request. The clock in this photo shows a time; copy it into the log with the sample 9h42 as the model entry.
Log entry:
7h53
